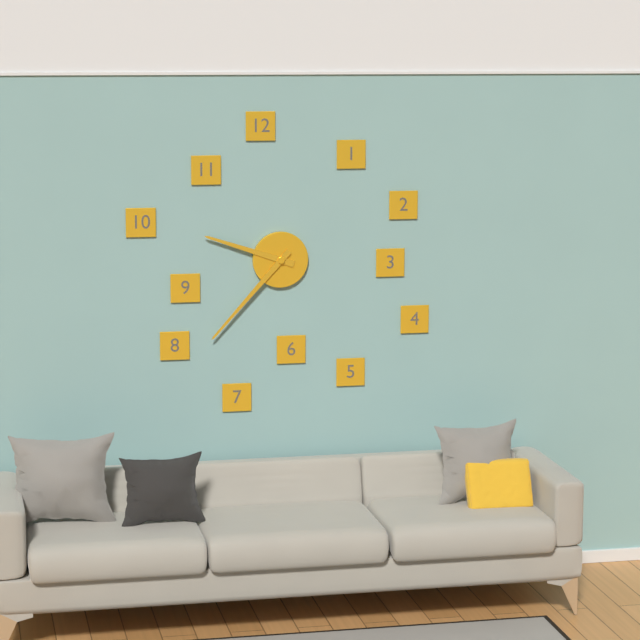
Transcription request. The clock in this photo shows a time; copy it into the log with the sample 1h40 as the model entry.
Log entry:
9h37
